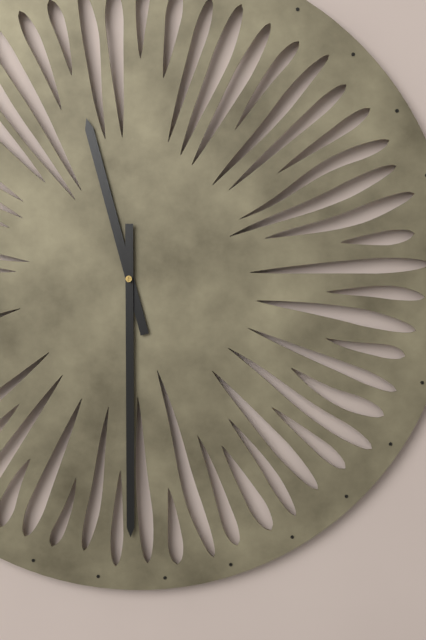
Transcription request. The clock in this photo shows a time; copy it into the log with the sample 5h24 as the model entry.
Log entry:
11h30
